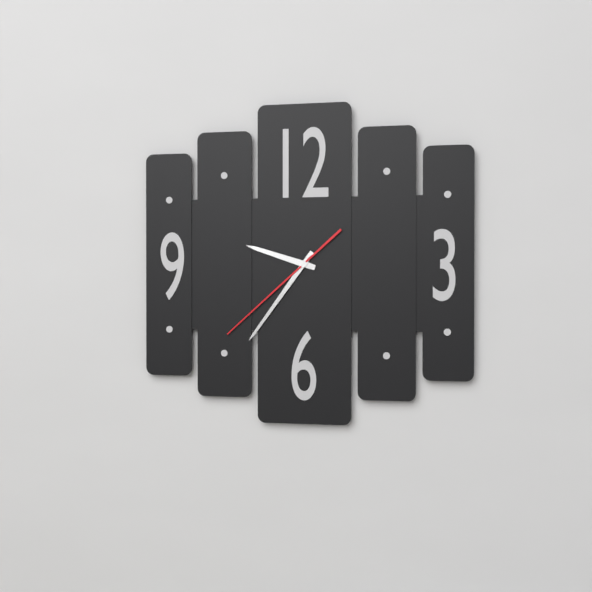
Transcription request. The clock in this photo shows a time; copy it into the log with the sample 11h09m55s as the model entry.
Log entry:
9h36m38s
